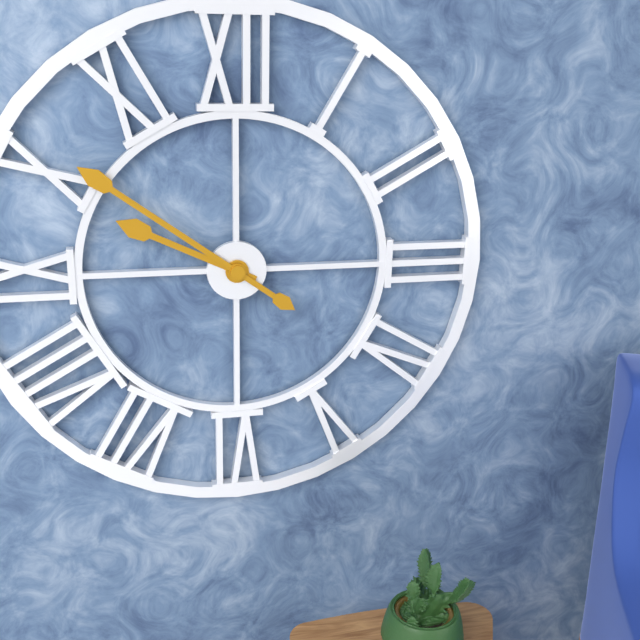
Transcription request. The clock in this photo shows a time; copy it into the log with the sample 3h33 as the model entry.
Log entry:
9h51
